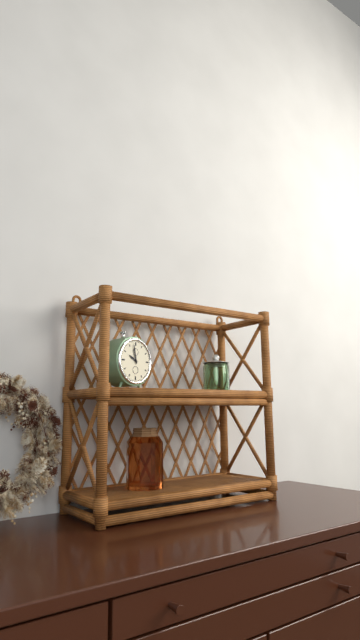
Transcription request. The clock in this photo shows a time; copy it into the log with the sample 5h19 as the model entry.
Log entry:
9h58
